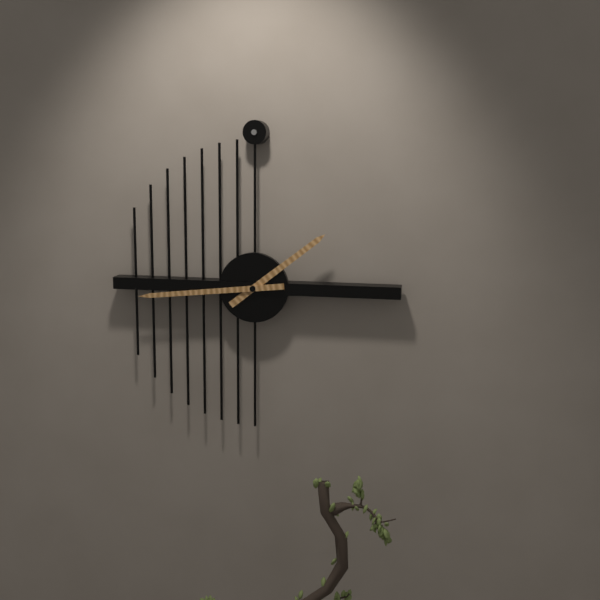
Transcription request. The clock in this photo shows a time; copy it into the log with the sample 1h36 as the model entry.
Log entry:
1h44
